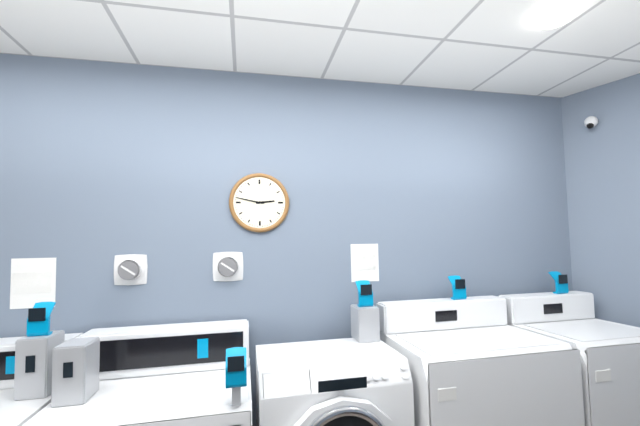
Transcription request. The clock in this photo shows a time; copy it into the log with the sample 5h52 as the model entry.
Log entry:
2h47
